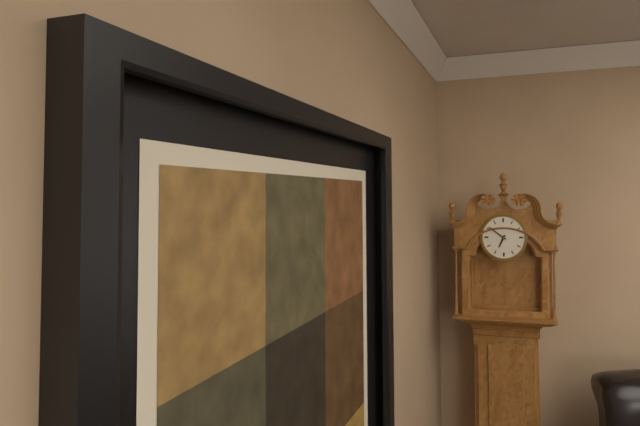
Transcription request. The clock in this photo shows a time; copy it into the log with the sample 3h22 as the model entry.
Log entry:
6h51
